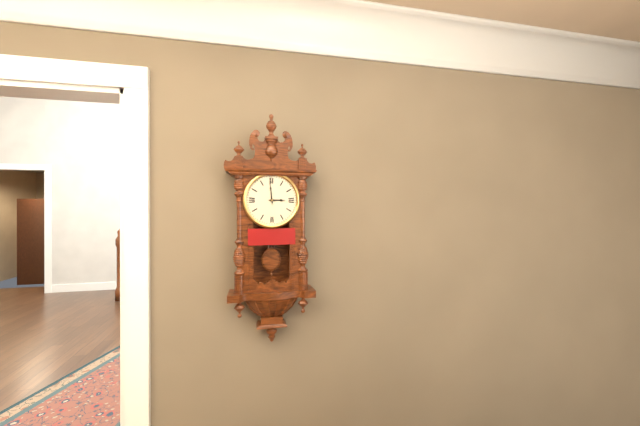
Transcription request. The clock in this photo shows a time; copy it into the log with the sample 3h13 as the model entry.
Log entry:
2h59
